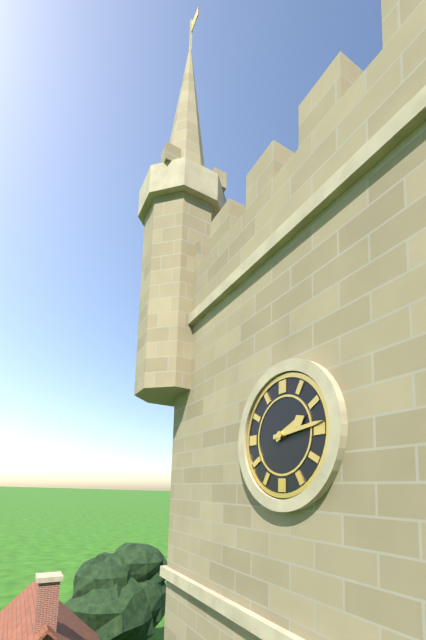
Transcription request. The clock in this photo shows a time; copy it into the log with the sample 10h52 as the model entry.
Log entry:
2h14
